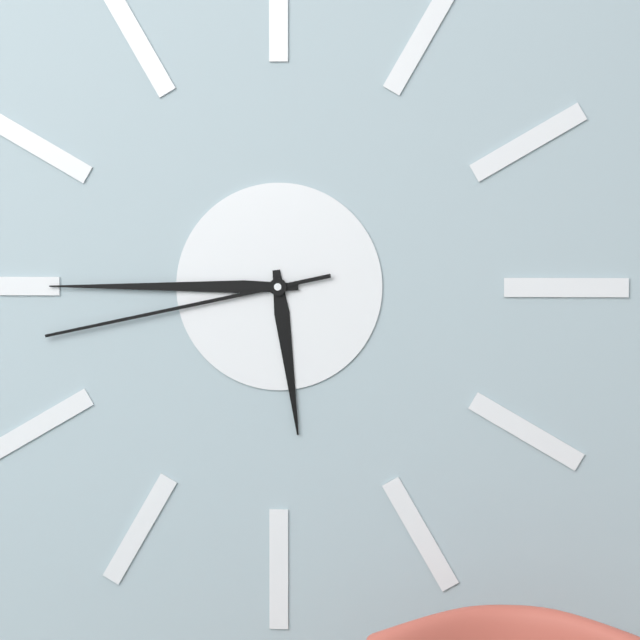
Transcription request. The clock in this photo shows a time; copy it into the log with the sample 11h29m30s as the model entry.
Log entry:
5h45m43s
